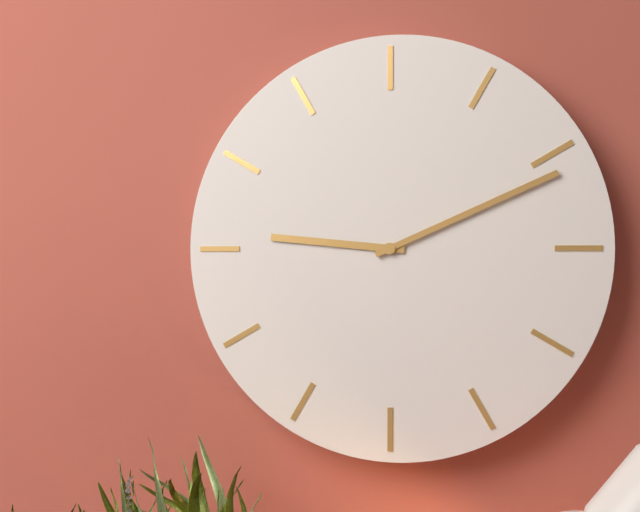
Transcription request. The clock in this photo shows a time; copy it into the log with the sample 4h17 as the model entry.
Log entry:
9h11
